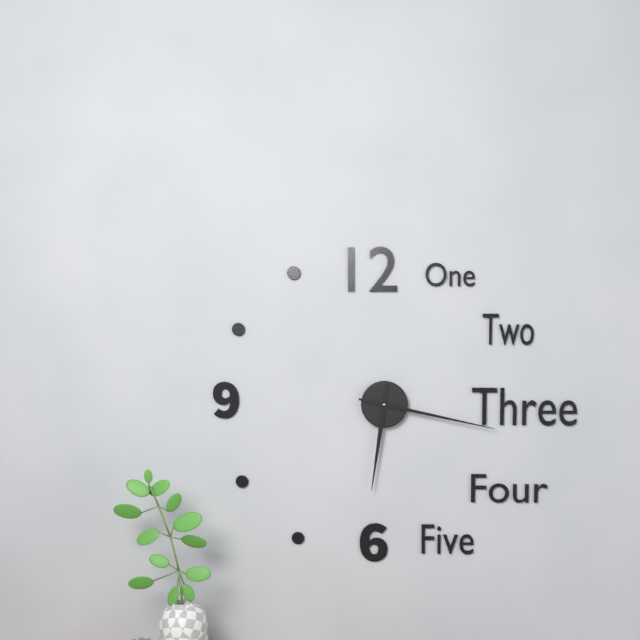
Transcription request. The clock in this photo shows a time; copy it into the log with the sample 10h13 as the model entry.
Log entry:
6h17
